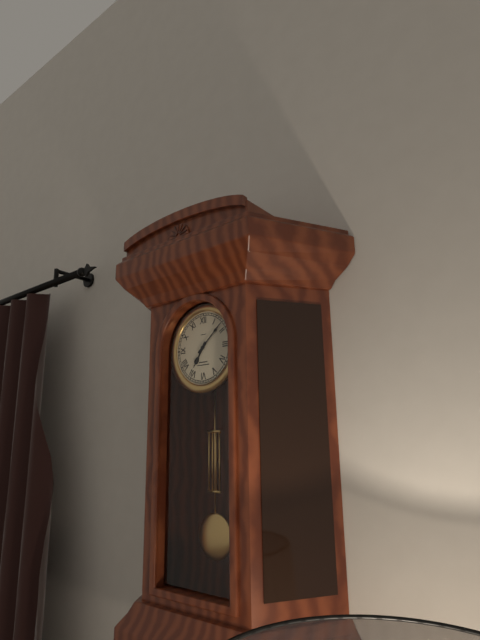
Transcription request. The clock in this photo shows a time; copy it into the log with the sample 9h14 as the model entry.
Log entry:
7h08
